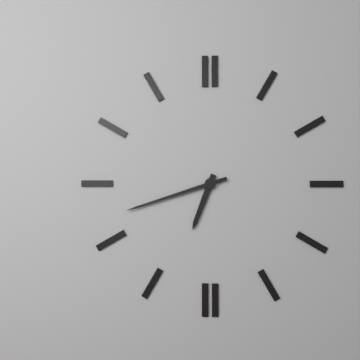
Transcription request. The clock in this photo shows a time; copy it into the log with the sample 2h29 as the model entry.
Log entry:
6h42
